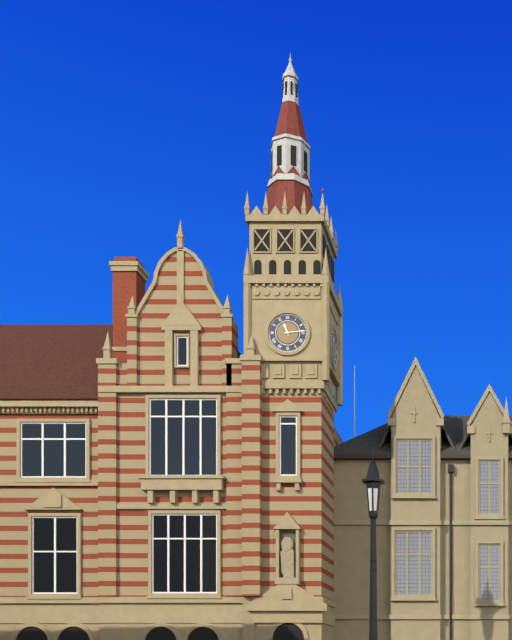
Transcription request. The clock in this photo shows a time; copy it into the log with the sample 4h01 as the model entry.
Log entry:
11h14
